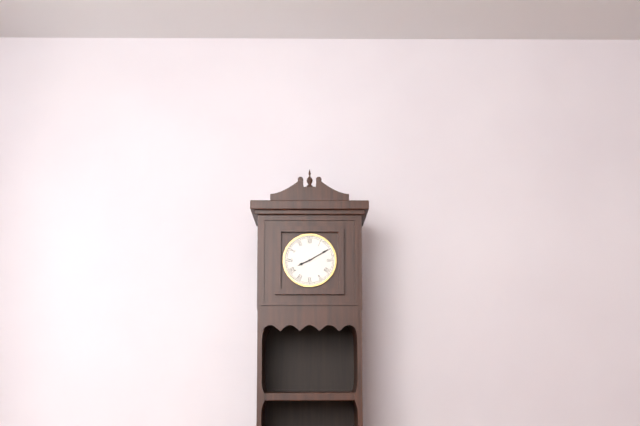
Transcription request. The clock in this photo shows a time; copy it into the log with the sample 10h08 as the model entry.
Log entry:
8h10
